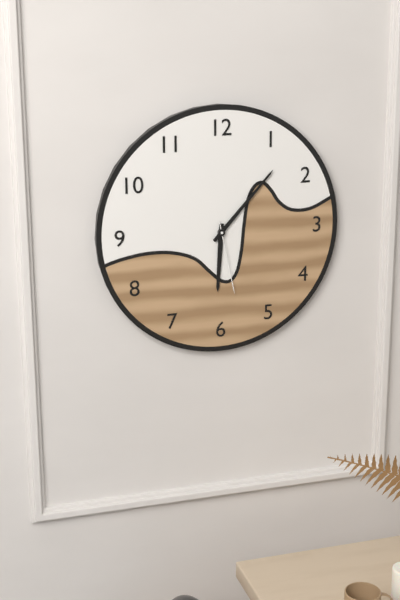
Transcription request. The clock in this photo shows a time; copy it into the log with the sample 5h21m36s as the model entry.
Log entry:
6h07m28s
